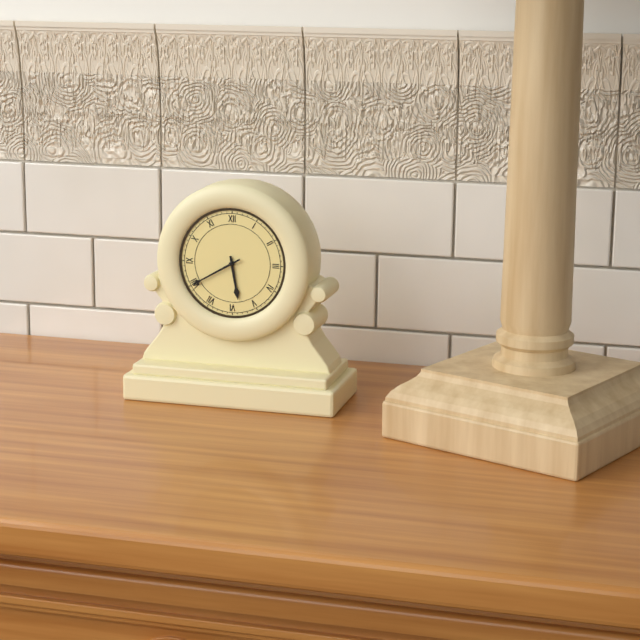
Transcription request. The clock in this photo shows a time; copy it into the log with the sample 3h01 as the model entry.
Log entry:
5h40
